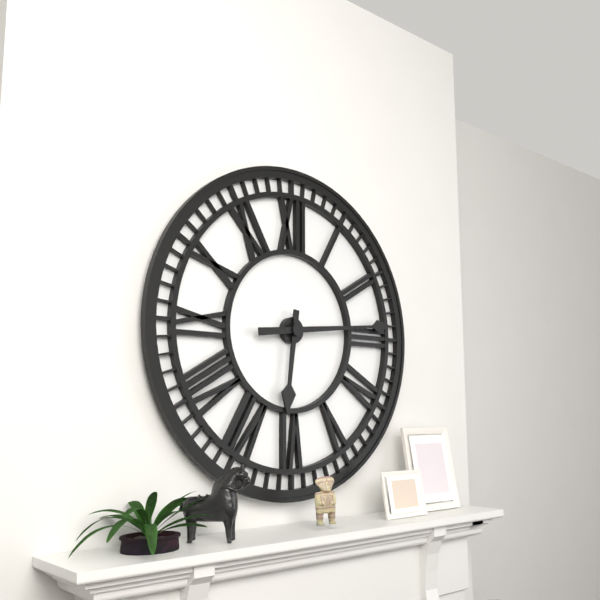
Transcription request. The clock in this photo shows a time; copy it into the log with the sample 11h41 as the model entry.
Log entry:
6h14
